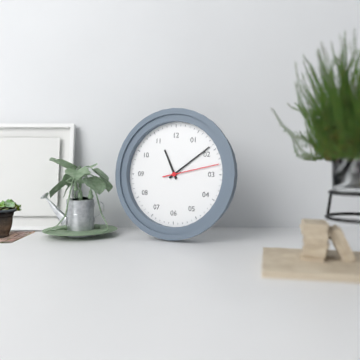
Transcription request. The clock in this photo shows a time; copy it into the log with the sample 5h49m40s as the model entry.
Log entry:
11h09m13s
